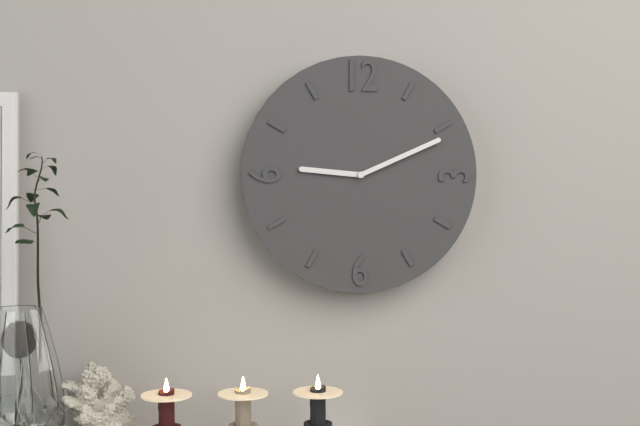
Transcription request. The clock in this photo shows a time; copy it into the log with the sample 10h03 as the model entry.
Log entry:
9h11
